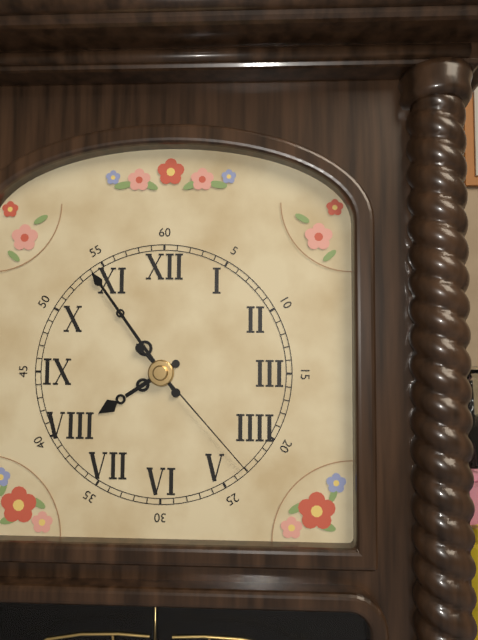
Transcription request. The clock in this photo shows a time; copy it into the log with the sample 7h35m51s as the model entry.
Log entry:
7h54m23s
